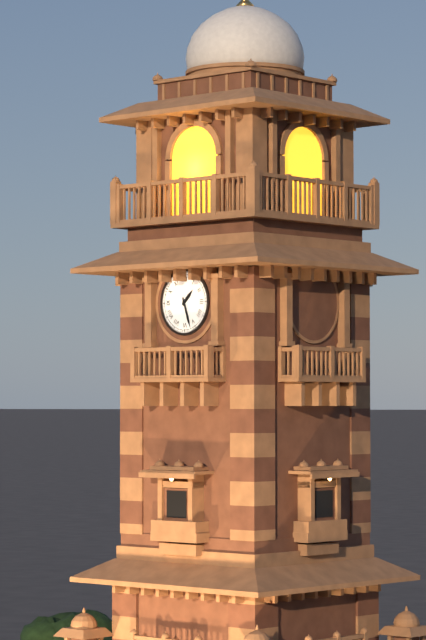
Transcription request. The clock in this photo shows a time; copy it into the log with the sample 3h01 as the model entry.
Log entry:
1h27
